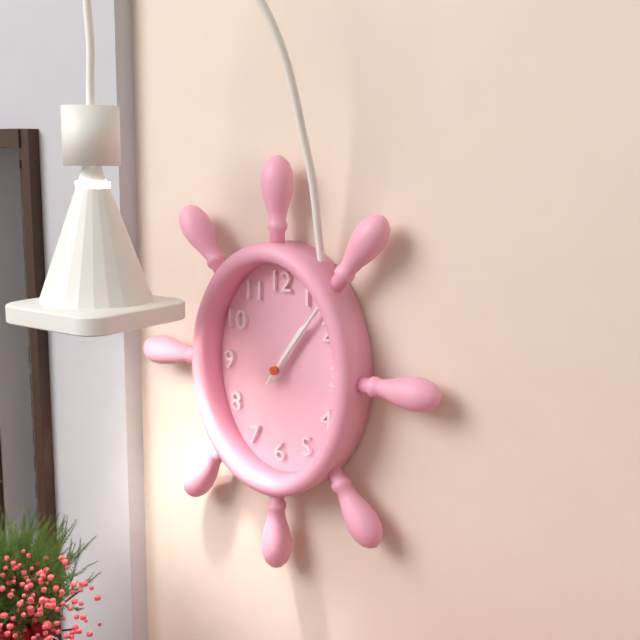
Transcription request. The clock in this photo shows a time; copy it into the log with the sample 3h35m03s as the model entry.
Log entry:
1h06m06s
